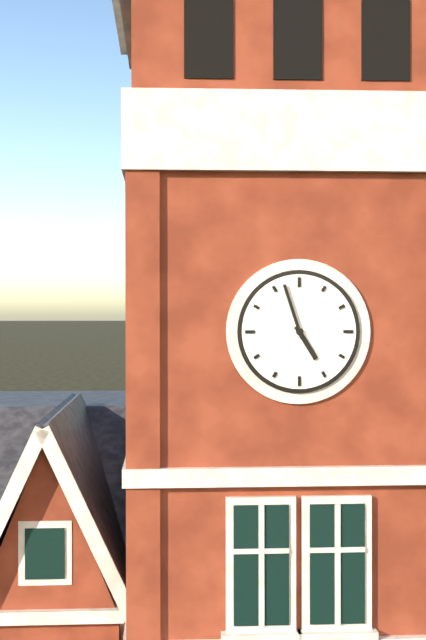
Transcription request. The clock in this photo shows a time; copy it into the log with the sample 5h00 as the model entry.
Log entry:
4h57
